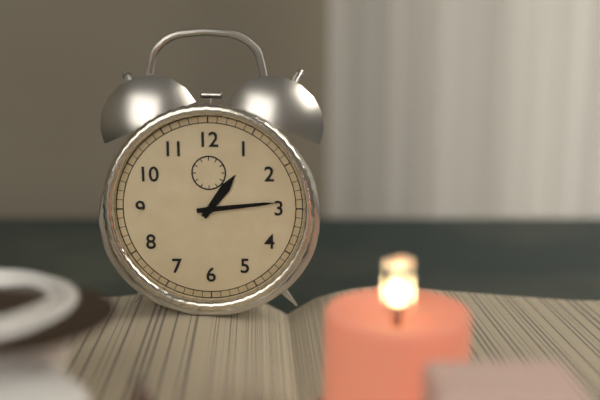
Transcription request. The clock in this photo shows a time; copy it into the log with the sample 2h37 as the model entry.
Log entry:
1h14
